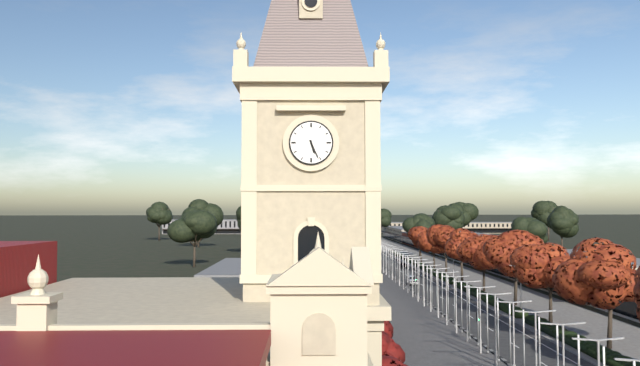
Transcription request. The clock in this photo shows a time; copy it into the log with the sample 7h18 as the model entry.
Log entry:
5h26
